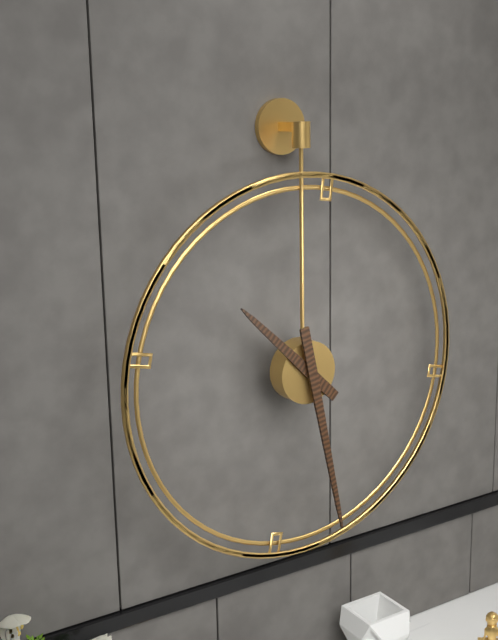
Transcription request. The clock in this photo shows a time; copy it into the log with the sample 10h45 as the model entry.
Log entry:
10h28
